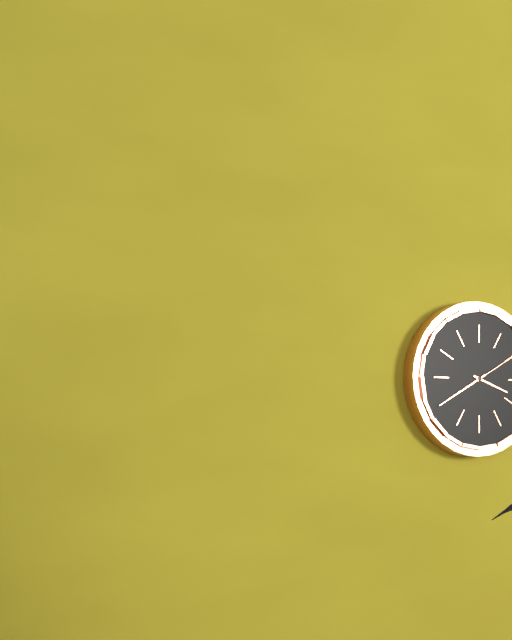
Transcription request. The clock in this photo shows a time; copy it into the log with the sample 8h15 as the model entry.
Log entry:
3h40
